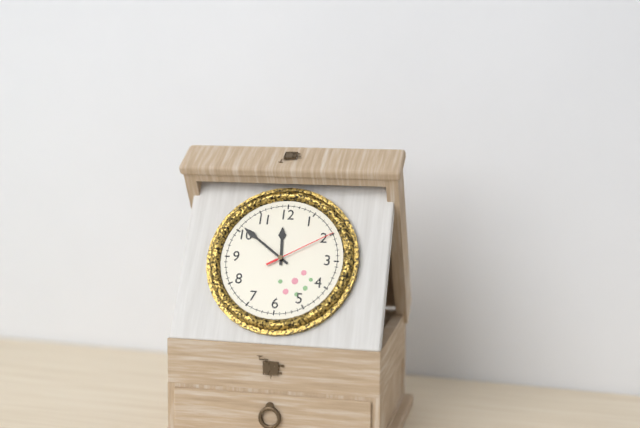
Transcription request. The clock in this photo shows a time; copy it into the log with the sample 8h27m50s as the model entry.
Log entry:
11h51m10s
